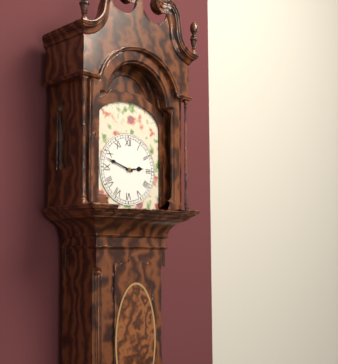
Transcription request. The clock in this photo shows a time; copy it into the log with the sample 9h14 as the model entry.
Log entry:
2h48
